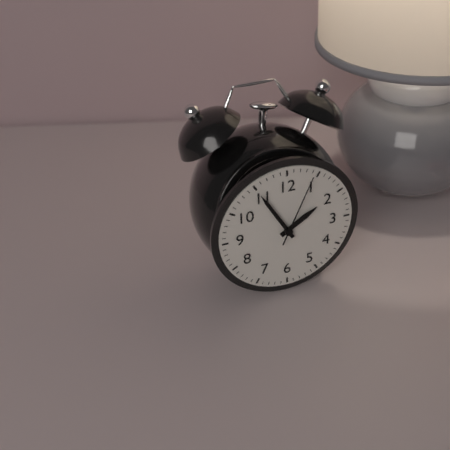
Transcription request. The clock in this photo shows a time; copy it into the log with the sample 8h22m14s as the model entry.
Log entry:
1h55m04s
